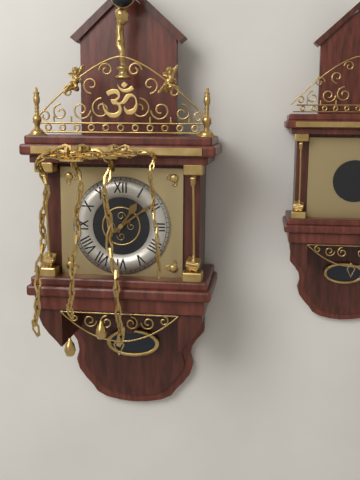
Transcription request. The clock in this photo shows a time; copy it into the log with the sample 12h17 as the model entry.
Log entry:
1h09
